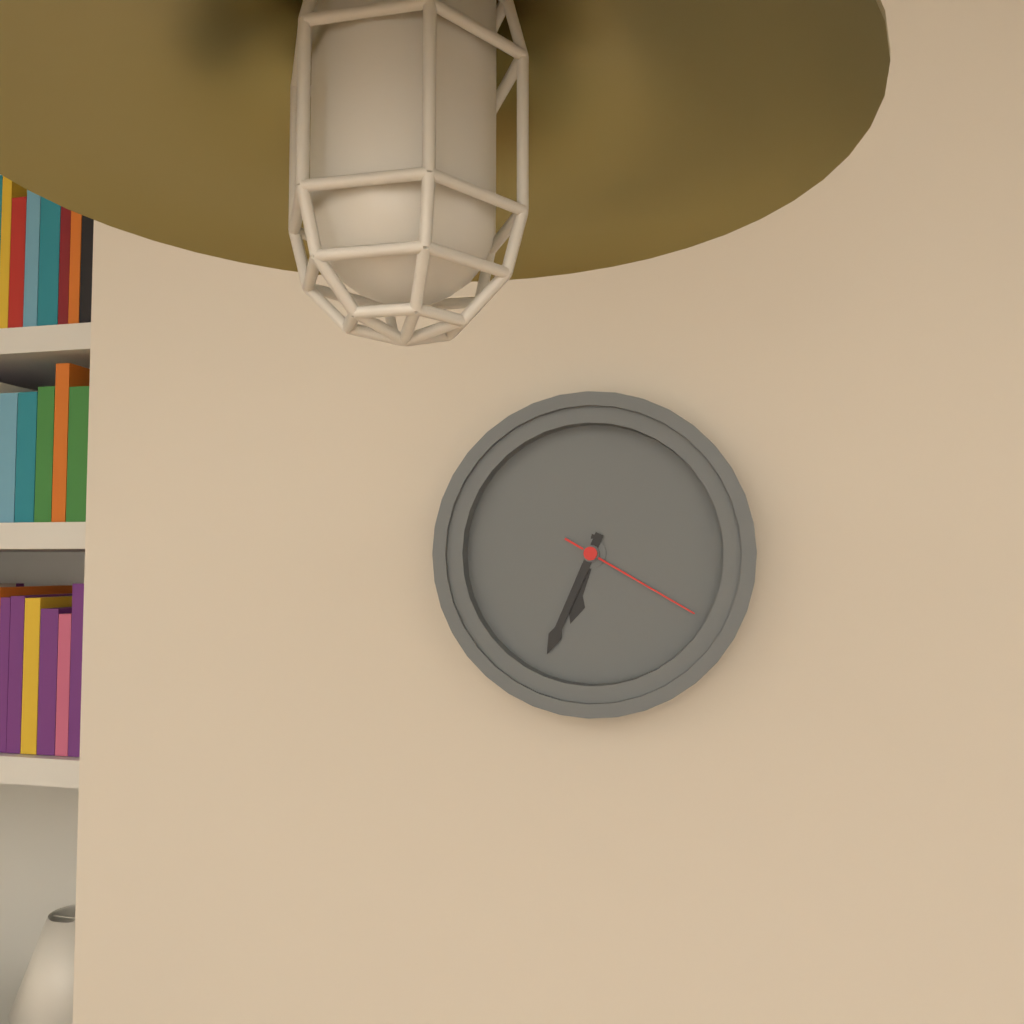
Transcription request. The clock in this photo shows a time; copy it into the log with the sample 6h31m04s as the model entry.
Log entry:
6h34m20s
